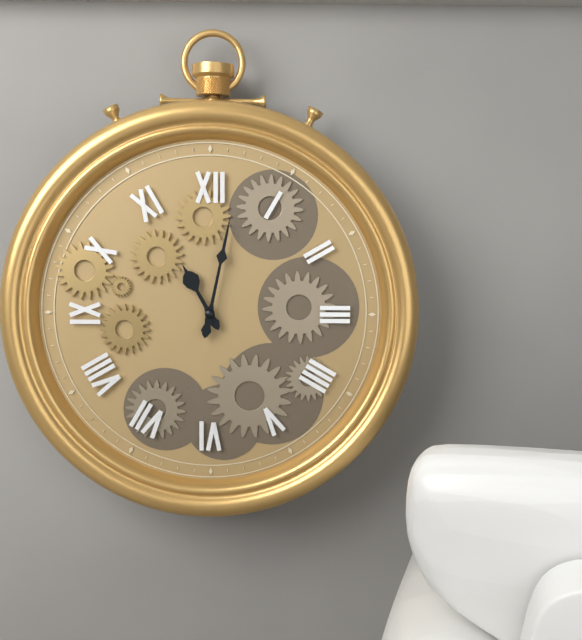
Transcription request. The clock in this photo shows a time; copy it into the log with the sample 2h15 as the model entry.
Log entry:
11h02
